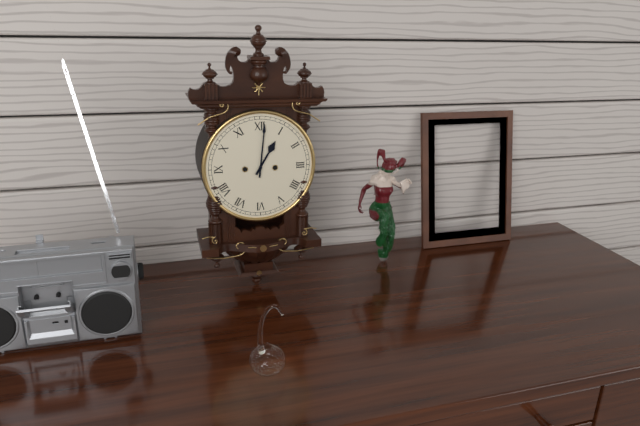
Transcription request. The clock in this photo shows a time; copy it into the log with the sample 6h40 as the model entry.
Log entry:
1h01
